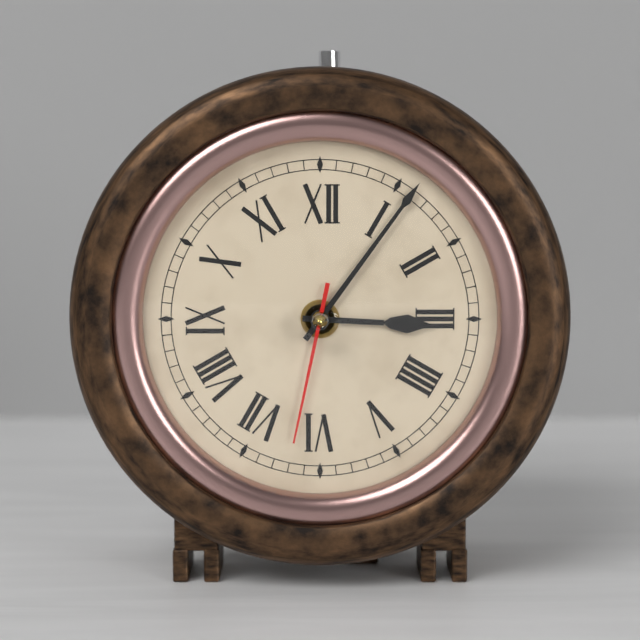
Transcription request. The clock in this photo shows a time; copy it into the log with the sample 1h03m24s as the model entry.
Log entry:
3h06m32s
